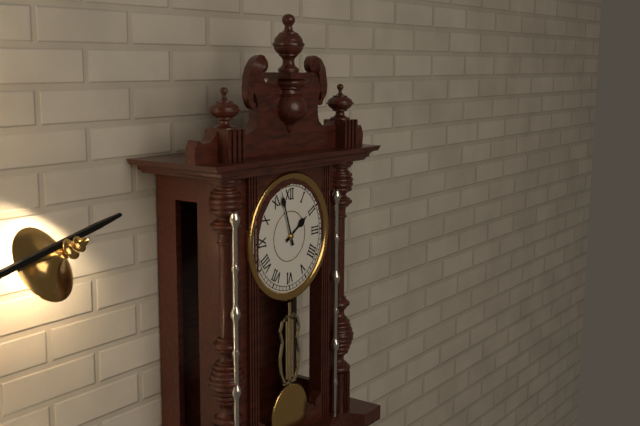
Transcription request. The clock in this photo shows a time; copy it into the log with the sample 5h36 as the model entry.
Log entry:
1h57
